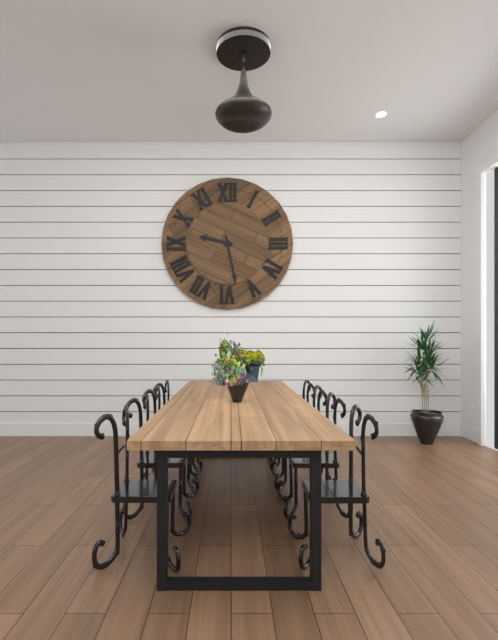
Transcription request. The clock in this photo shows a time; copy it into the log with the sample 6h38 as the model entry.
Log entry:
9h28
